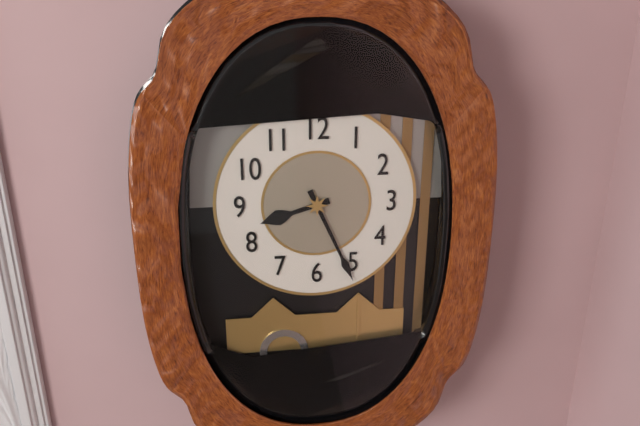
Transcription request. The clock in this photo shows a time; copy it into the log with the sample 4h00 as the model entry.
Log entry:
8h26
